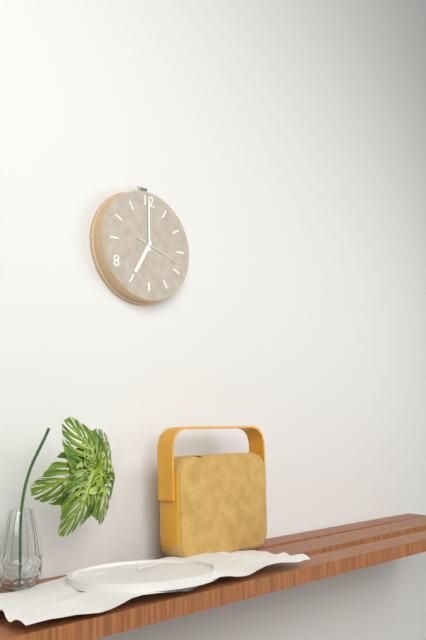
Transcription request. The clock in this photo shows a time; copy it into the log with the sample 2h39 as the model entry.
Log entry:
7h00
